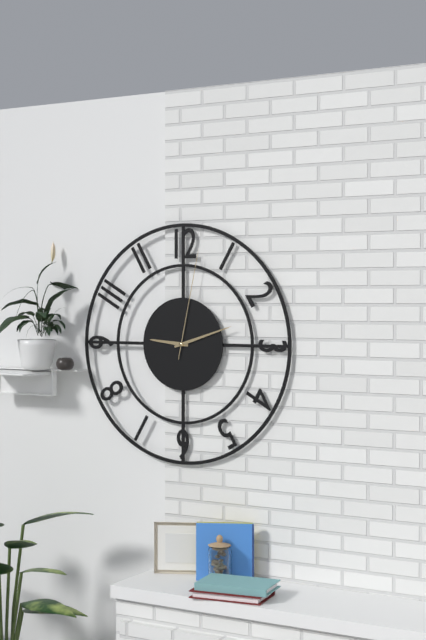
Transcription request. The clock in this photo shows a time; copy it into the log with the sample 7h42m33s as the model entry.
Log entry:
9h12m02s
